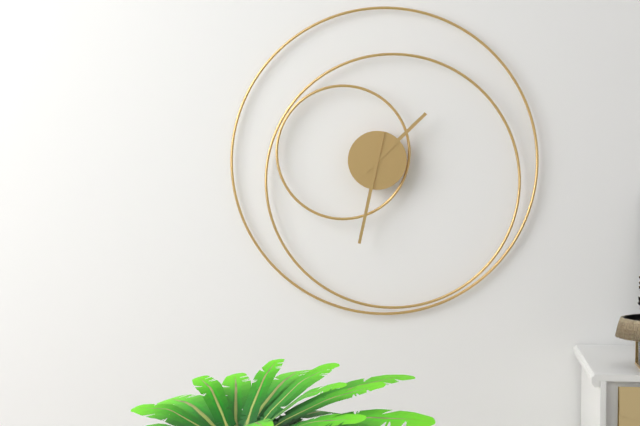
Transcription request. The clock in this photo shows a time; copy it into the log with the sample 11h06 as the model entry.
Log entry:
1h32
